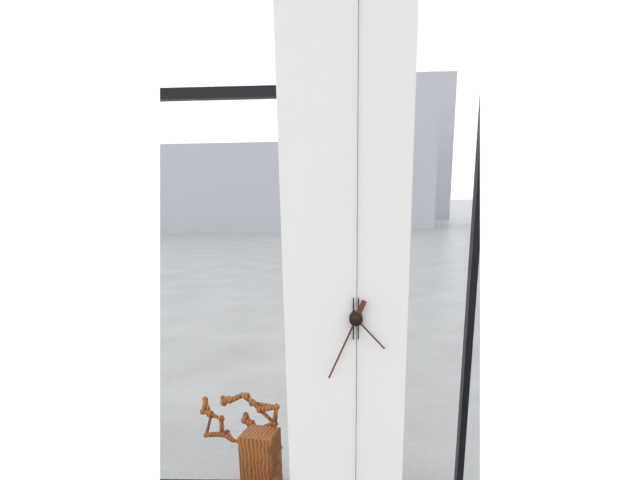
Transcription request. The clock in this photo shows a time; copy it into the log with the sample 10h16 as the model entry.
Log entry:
4h34
